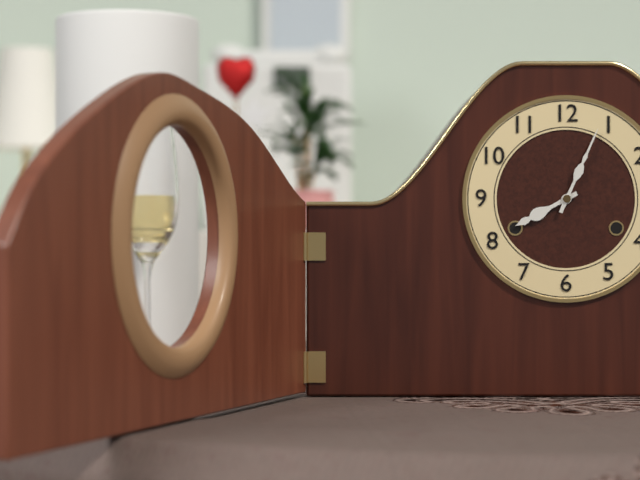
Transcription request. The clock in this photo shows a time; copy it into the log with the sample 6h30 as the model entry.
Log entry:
8h04
